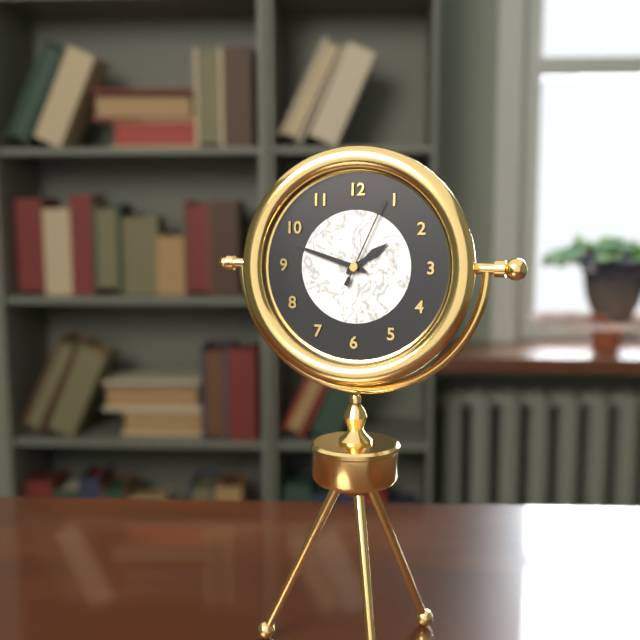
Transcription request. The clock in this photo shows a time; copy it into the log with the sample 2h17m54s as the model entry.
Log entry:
1h48m04s
